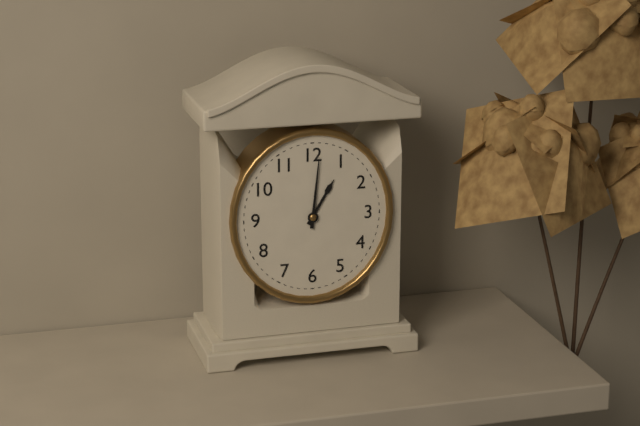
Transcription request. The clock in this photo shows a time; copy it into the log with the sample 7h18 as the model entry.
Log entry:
1h01
